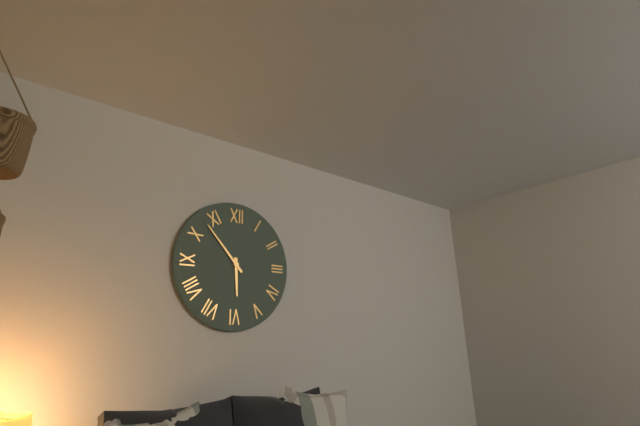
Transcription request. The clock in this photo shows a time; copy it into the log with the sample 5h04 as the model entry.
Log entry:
5h53
